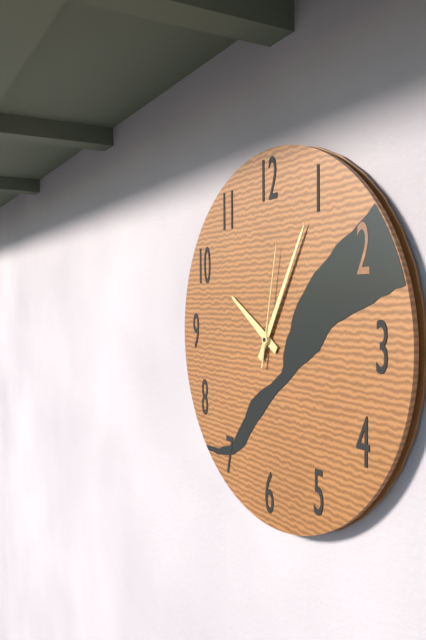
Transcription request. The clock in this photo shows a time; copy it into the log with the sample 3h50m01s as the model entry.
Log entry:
10h05m02s
